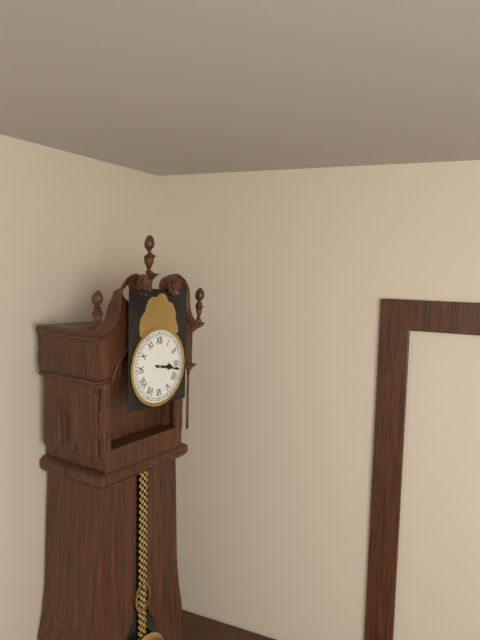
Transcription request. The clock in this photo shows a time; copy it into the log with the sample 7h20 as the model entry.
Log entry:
3h17
